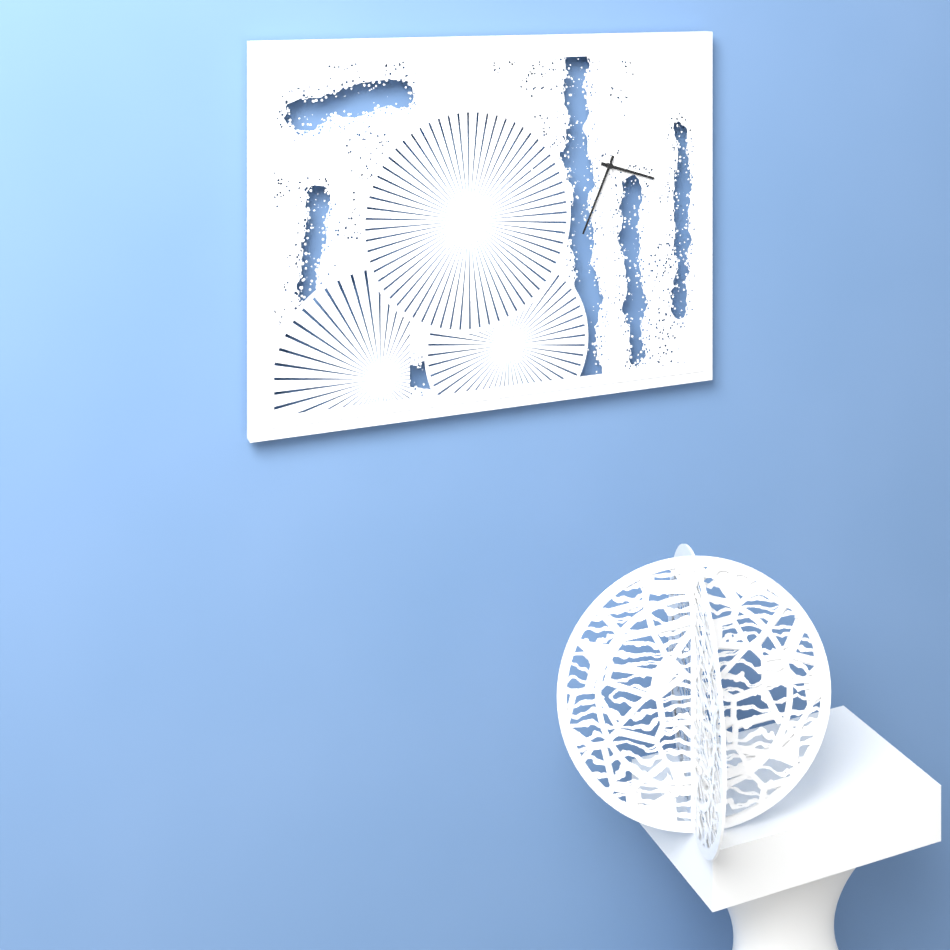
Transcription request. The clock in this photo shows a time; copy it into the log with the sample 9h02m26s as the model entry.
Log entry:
3h34m58s
